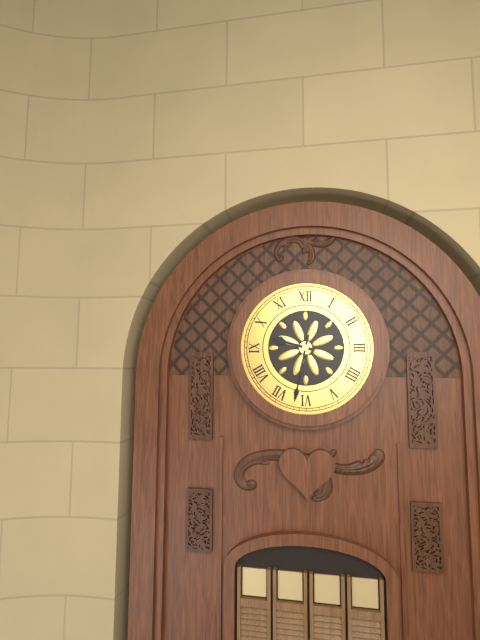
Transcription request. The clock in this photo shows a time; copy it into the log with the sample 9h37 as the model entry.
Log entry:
9h32
